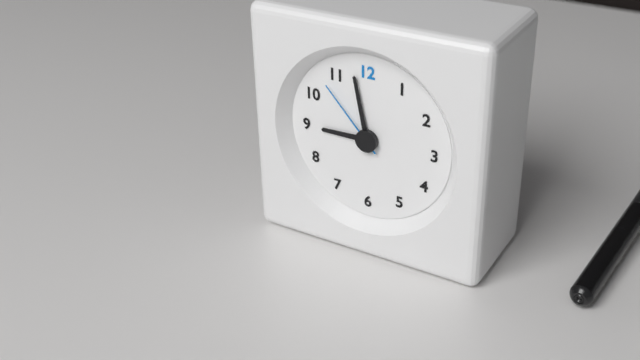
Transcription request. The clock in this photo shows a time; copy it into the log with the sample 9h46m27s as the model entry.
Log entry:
8h58m53s
